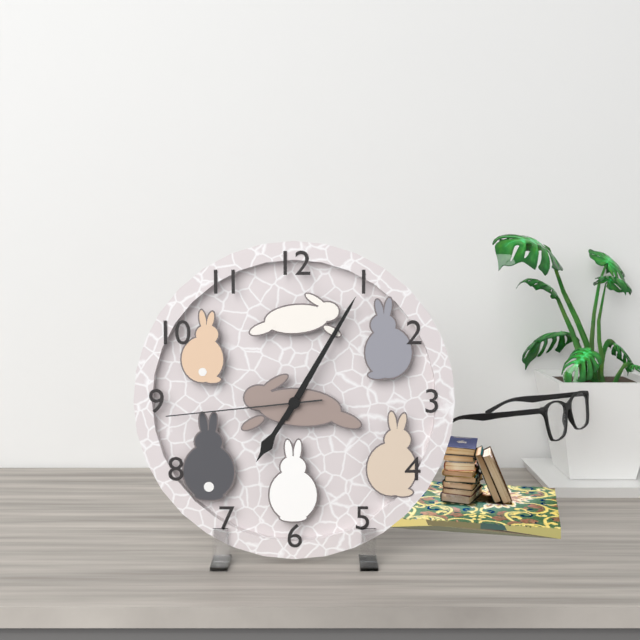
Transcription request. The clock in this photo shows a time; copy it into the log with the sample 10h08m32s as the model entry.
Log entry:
7h05m44s
